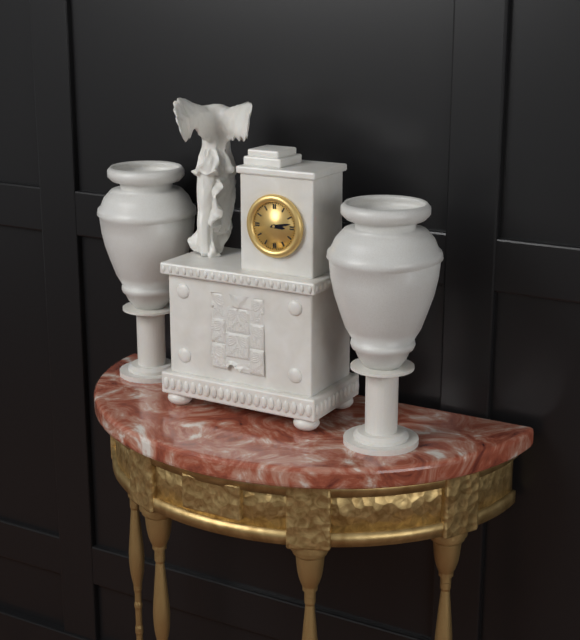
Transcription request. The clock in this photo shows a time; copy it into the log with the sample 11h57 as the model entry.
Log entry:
3h13
